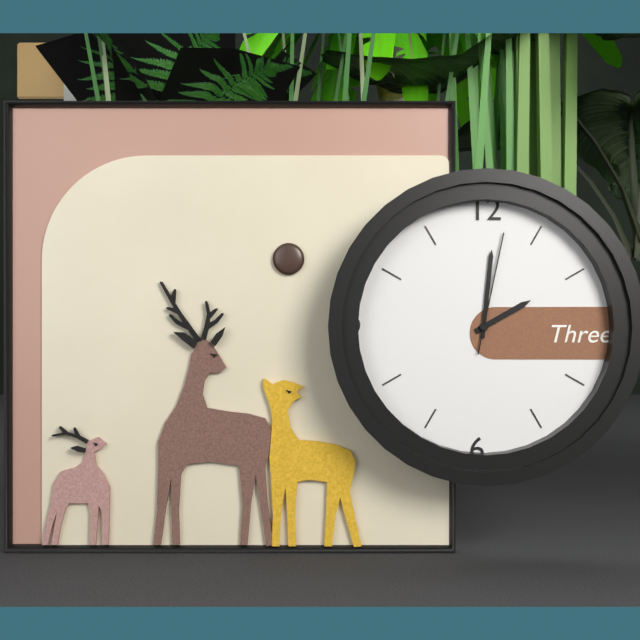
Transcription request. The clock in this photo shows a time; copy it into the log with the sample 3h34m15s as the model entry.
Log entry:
2h01m02s
